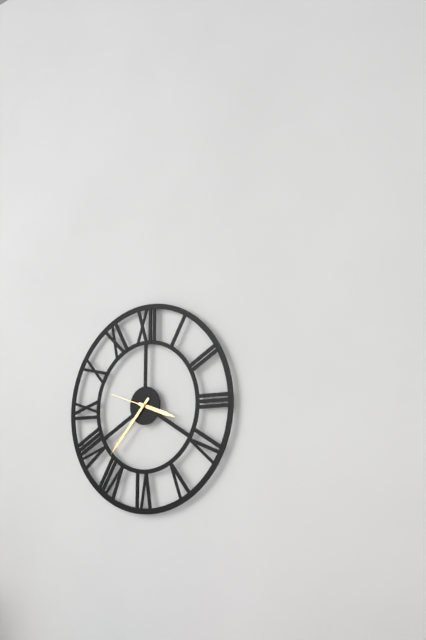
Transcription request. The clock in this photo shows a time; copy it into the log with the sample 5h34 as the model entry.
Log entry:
3h37
